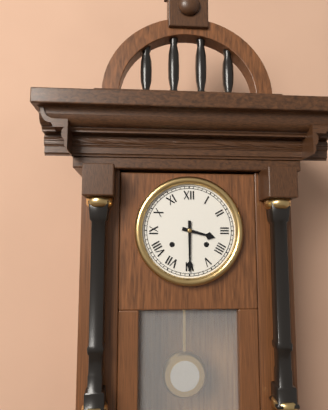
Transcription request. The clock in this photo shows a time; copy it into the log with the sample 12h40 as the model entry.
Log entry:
3h30
